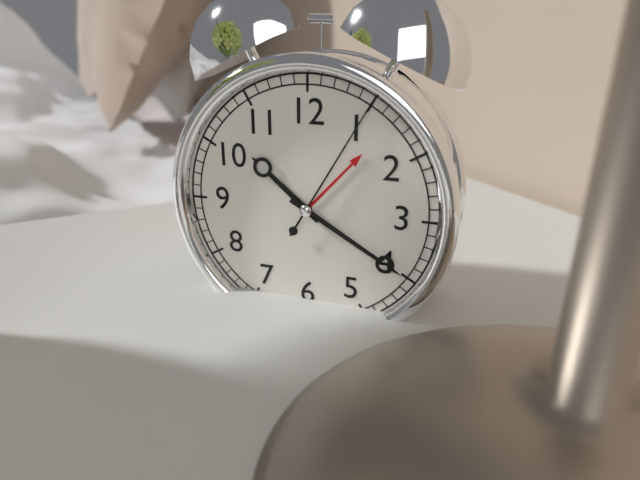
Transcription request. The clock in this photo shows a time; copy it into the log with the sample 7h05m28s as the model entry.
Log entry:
10h20m05s
